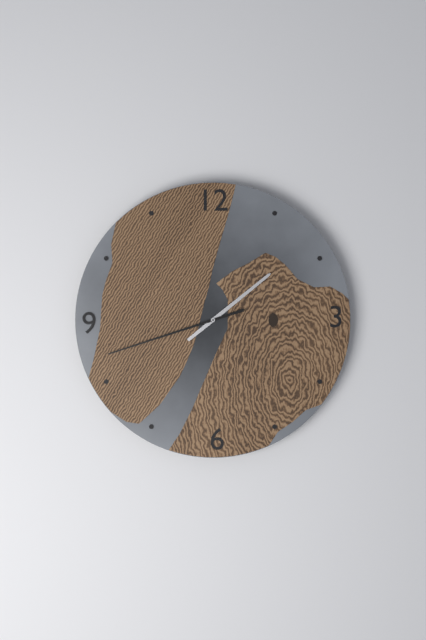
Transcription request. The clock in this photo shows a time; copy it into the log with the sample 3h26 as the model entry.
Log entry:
1h42
